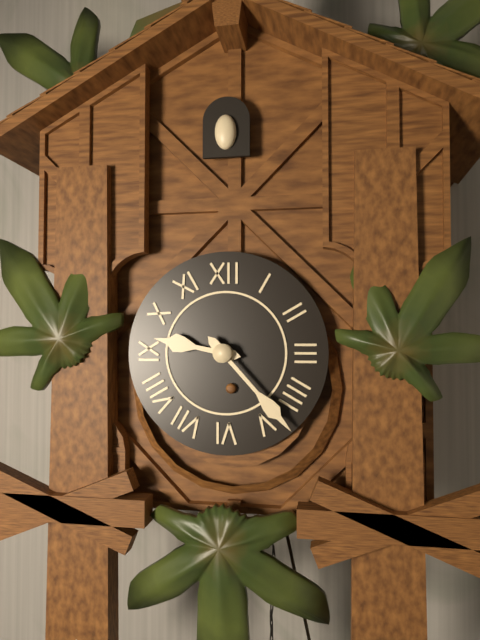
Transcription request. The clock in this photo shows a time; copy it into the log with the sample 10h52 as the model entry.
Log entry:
9h23
